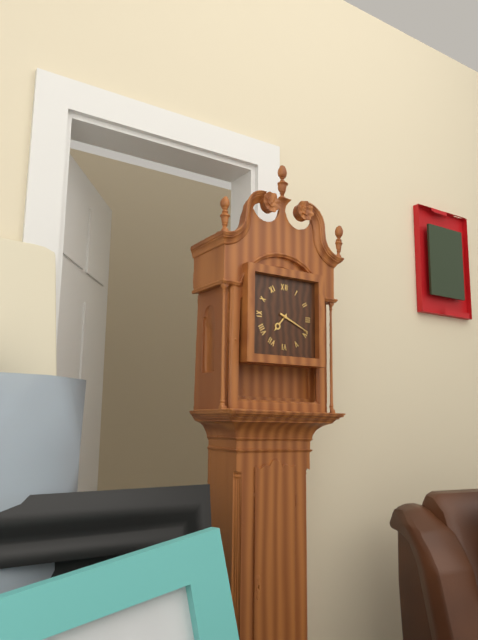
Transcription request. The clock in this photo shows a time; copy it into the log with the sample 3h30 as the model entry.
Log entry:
7h19
